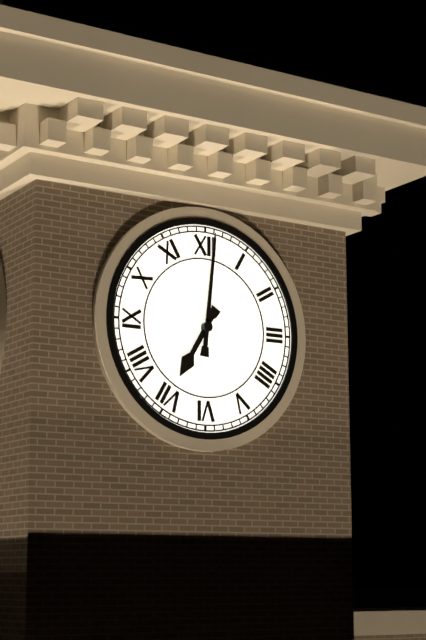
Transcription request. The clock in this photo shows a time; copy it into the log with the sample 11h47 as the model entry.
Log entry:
7h01
